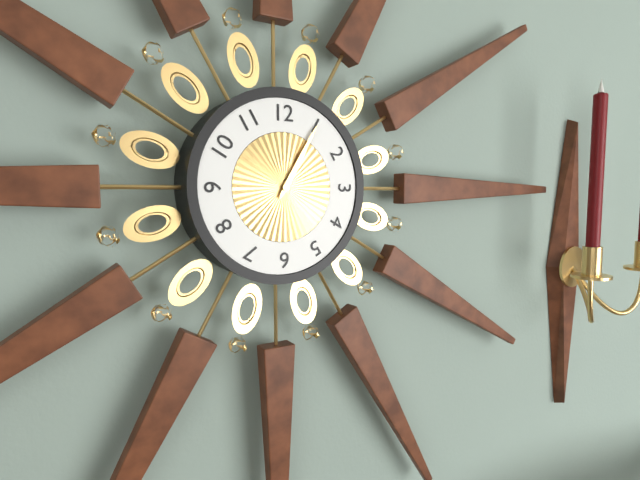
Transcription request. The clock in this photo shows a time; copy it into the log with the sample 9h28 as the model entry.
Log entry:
1h05
